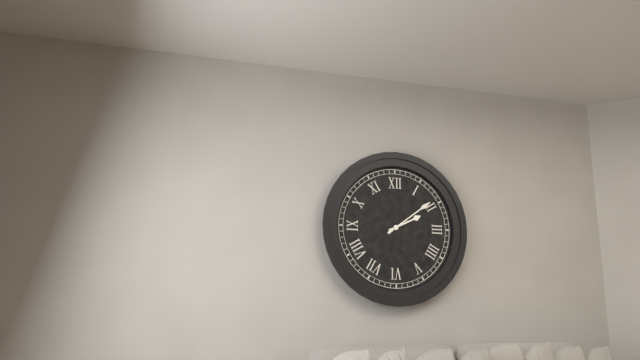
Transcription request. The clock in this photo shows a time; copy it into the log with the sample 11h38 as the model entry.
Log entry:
2h09
